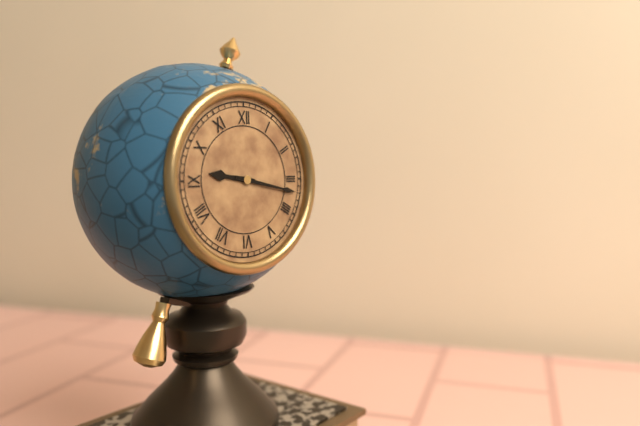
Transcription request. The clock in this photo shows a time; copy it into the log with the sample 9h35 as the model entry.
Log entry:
9h17
